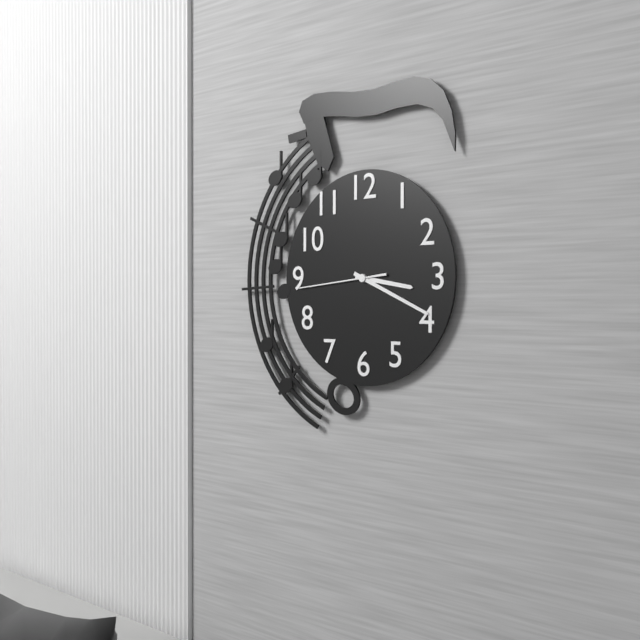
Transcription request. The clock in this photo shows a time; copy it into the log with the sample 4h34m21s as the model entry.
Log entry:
3h19m44s
